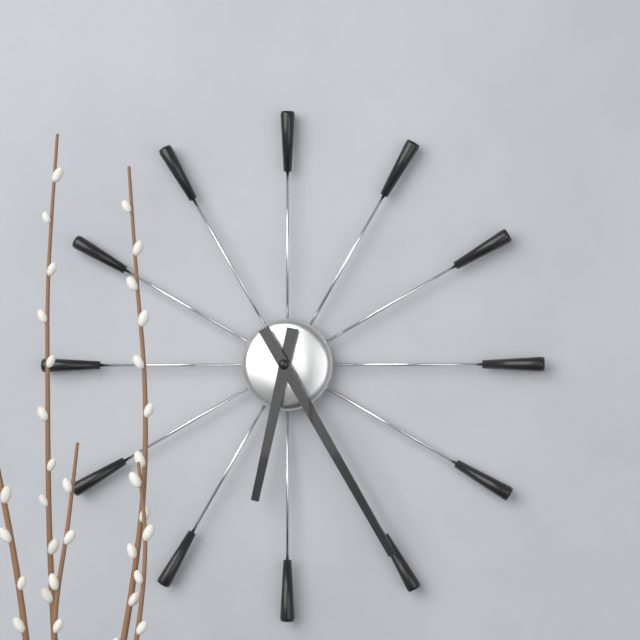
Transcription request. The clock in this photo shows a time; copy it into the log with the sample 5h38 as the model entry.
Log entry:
6h25
